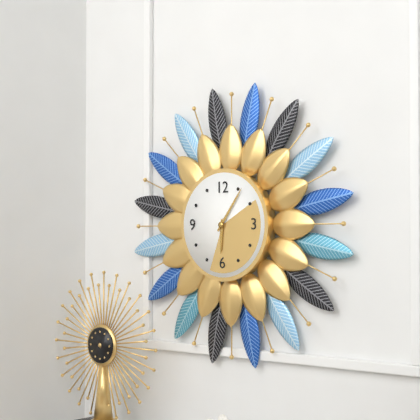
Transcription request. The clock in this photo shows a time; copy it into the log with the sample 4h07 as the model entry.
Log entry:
6h06
